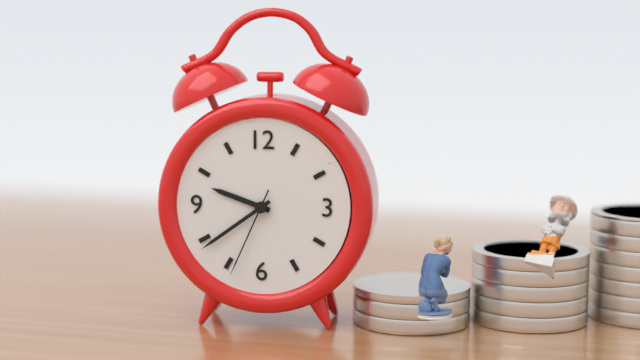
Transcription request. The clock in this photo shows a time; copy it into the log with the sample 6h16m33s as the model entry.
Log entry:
9h39m34s
